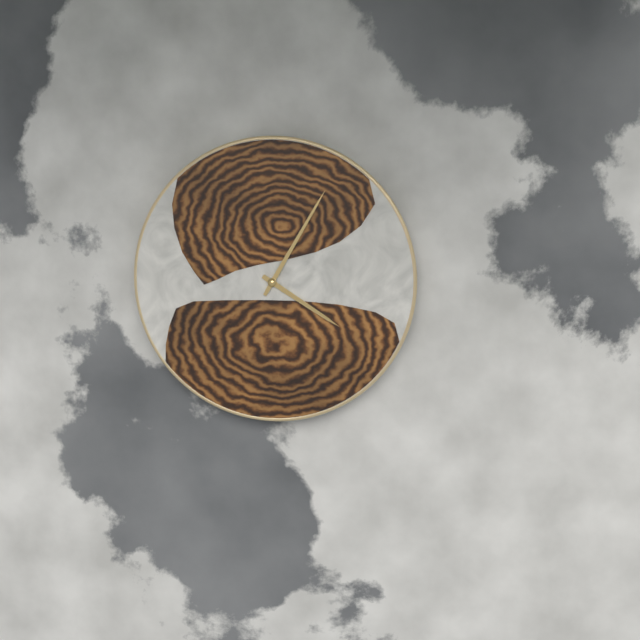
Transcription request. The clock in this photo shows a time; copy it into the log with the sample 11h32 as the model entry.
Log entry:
4h05
